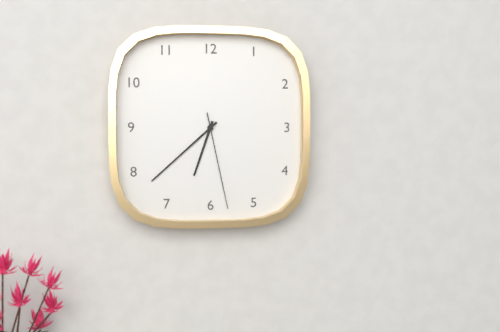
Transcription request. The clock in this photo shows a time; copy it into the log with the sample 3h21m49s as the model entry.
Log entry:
6h38m28s
